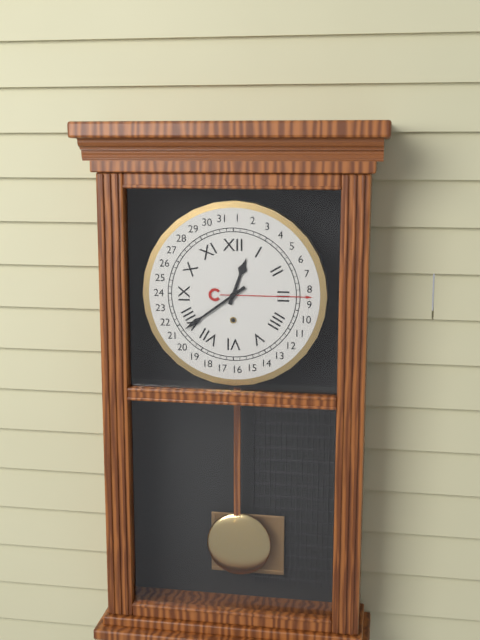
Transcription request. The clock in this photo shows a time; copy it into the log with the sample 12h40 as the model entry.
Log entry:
12h39
